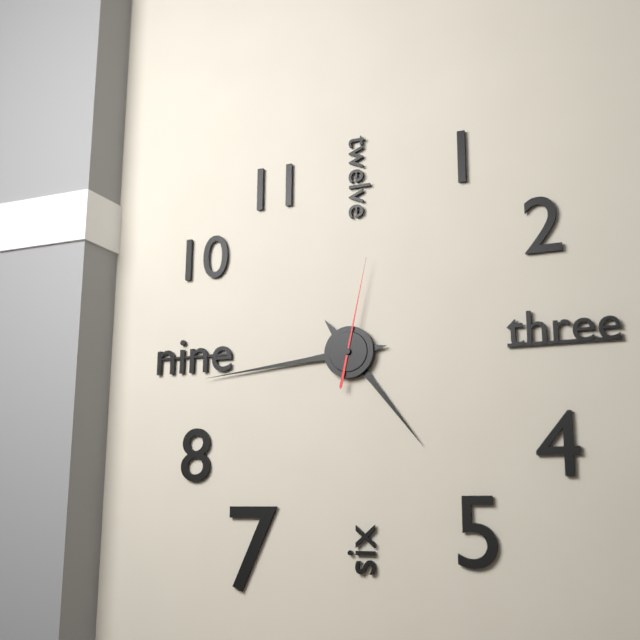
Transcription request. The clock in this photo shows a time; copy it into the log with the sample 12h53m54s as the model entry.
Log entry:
4h44m02s
